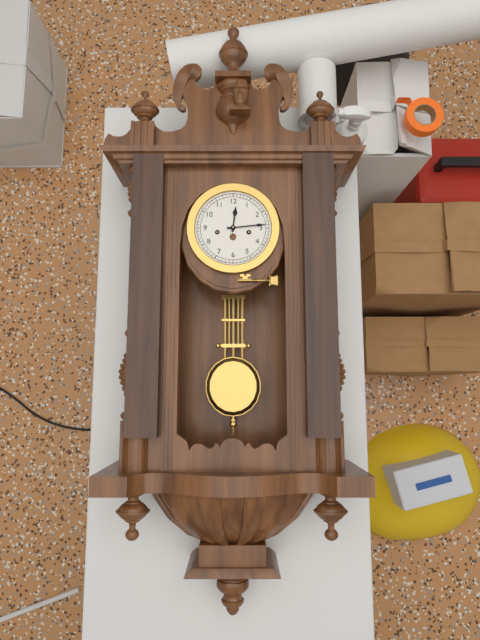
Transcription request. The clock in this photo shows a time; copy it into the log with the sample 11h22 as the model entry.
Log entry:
12h14
